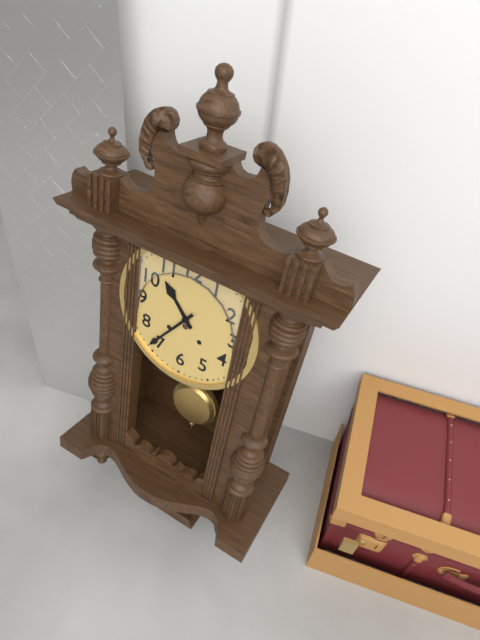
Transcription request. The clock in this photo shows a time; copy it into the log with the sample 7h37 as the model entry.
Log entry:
10h36
